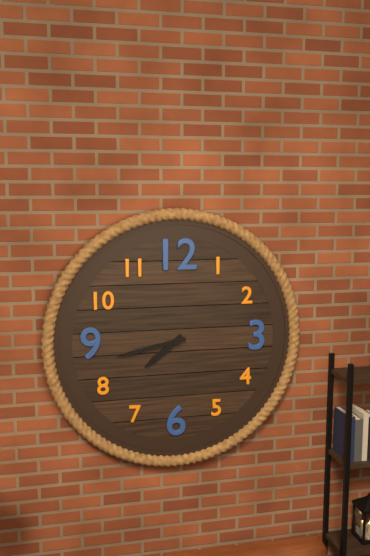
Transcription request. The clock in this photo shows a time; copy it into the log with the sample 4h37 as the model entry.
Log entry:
7h43
